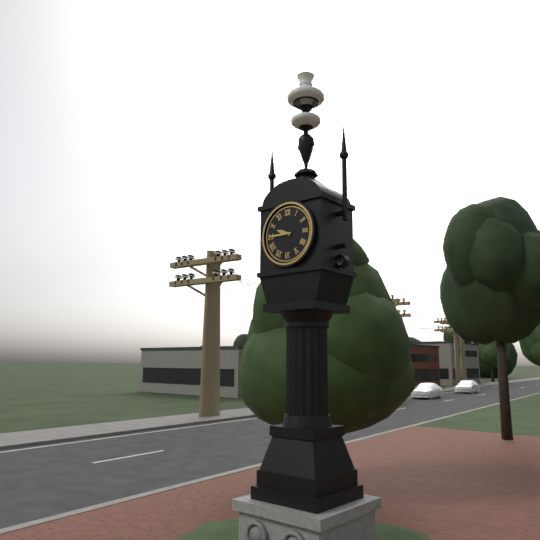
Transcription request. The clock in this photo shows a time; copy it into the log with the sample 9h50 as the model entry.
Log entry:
9h45
